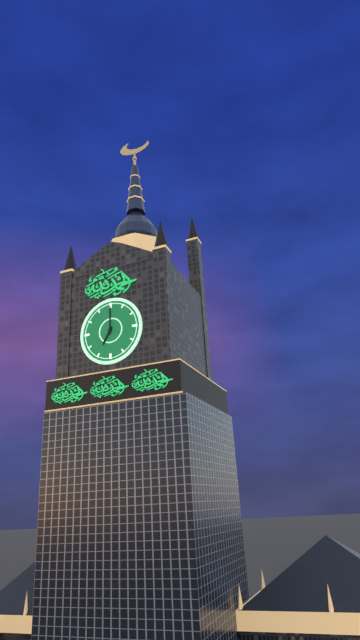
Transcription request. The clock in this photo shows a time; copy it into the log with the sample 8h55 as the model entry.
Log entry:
7h00
